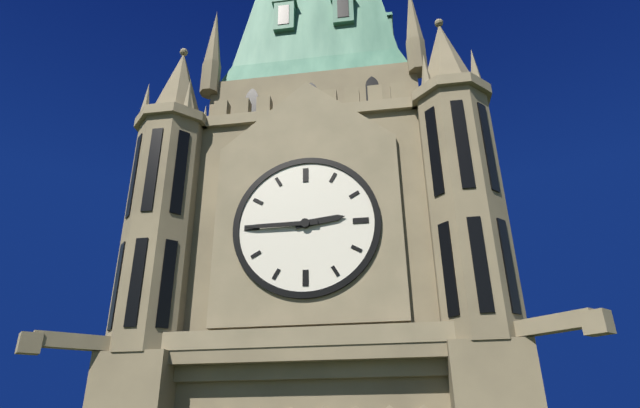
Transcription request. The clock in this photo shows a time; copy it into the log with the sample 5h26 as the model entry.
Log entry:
2h45
